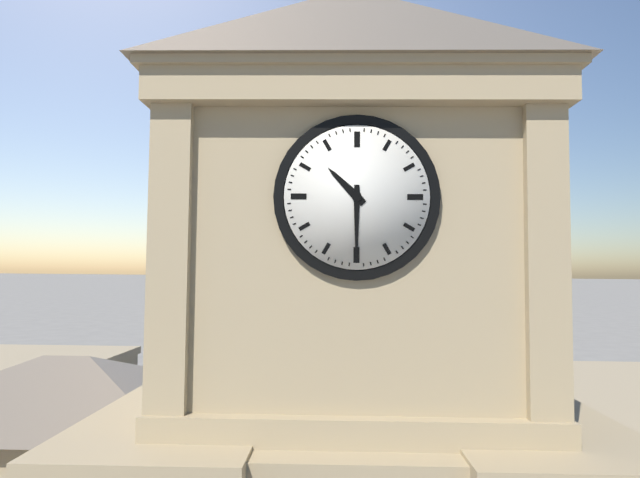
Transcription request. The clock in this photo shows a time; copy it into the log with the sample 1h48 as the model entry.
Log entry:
10h30
